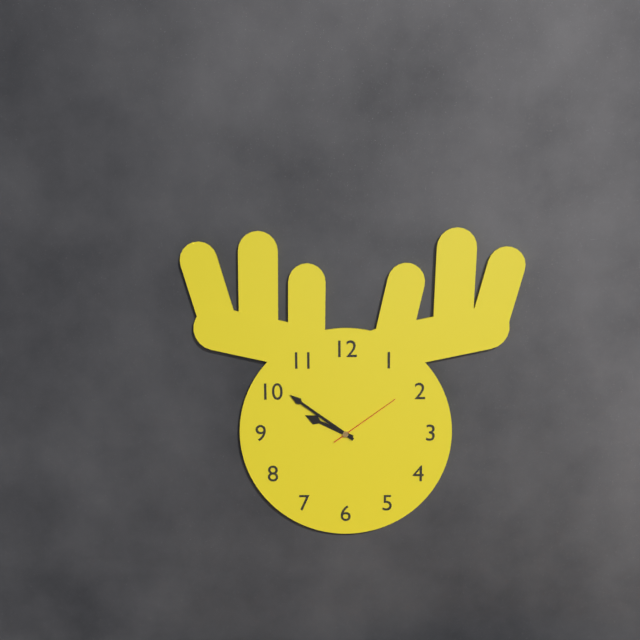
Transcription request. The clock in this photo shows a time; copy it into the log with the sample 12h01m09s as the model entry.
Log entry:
9h51m09s
